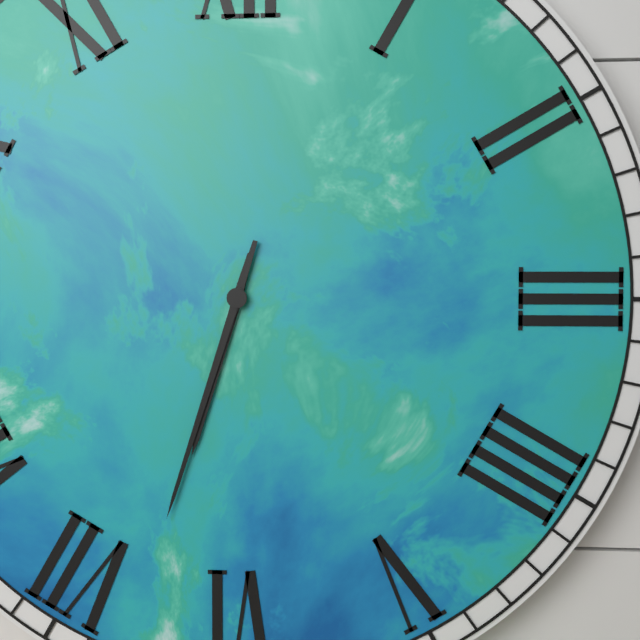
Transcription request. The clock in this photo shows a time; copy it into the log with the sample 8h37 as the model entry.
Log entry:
6h33
